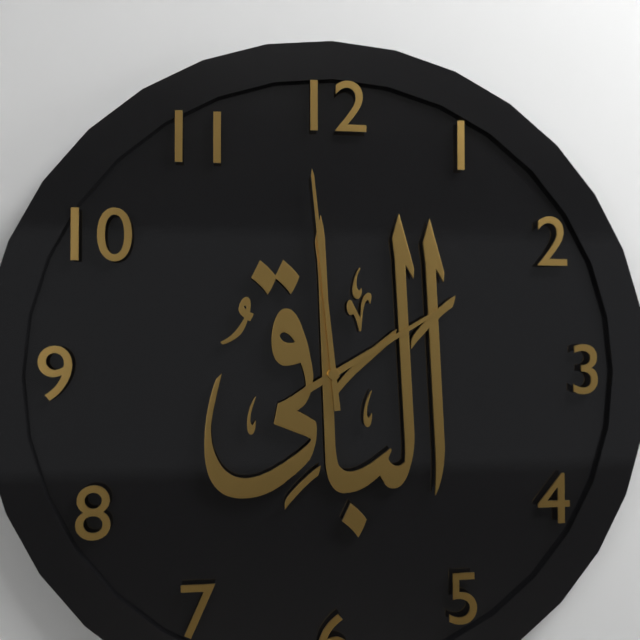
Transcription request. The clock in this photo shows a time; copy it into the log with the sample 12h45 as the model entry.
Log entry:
1h59
